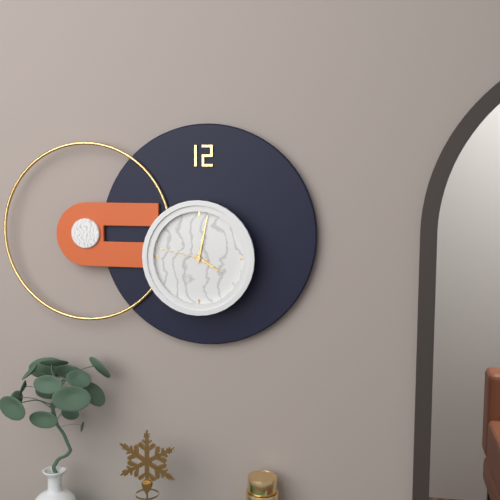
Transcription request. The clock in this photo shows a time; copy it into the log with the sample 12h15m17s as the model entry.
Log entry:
4h02m47s
